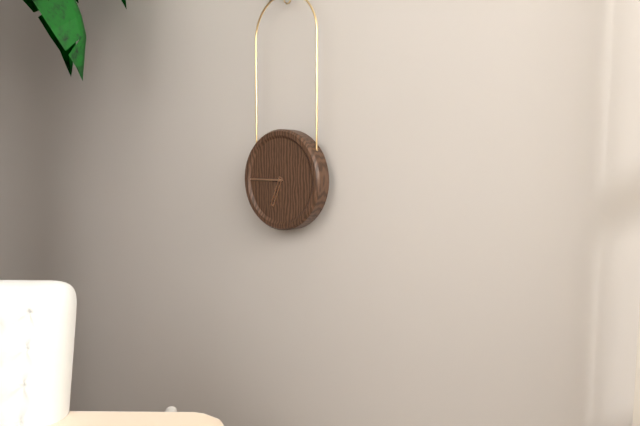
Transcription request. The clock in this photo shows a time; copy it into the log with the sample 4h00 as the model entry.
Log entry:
6h45
